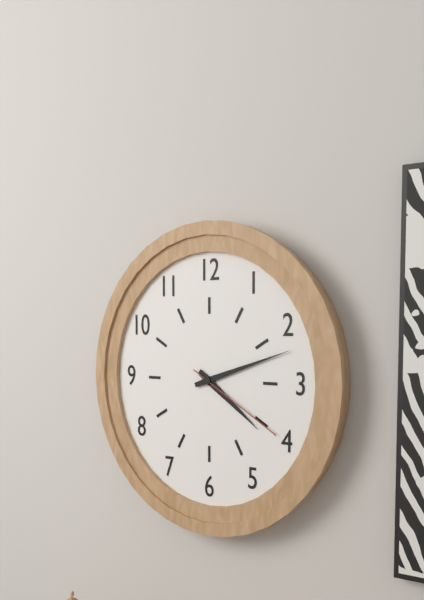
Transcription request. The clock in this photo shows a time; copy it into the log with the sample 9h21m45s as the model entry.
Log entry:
4h12m20s
